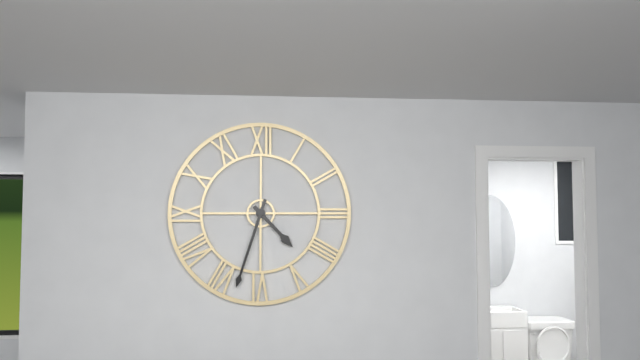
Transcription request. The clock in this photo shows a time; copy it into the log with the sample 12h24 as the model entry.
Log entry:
4h33
